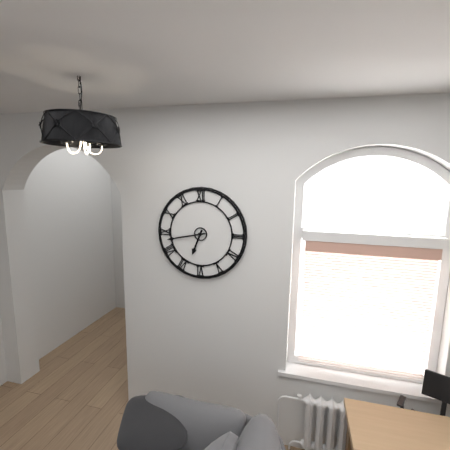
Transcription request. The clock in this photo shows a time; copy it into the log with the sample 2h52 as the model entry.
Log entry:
6h43
